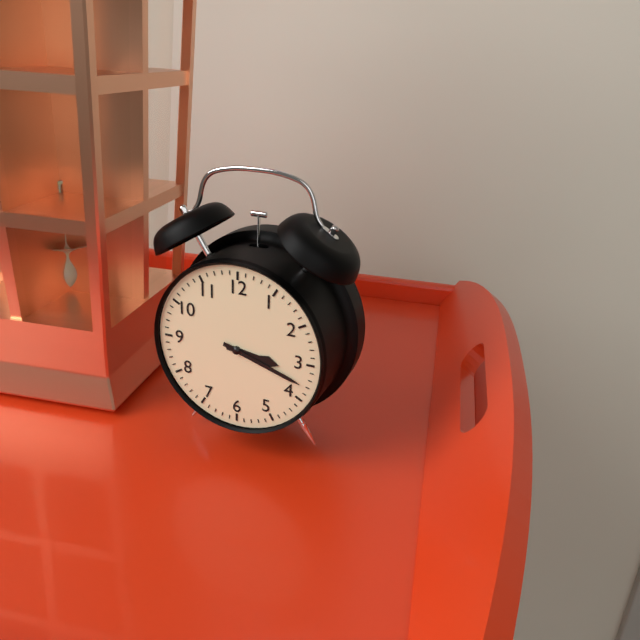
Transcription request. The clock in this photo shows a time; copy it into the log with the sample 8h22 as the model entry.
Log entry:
3h18
